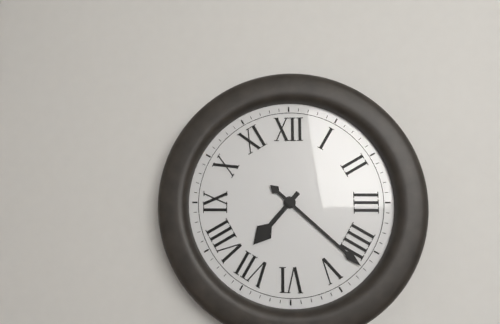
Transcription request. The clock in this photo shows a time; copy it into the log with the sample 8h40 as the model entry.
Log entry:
7h22
